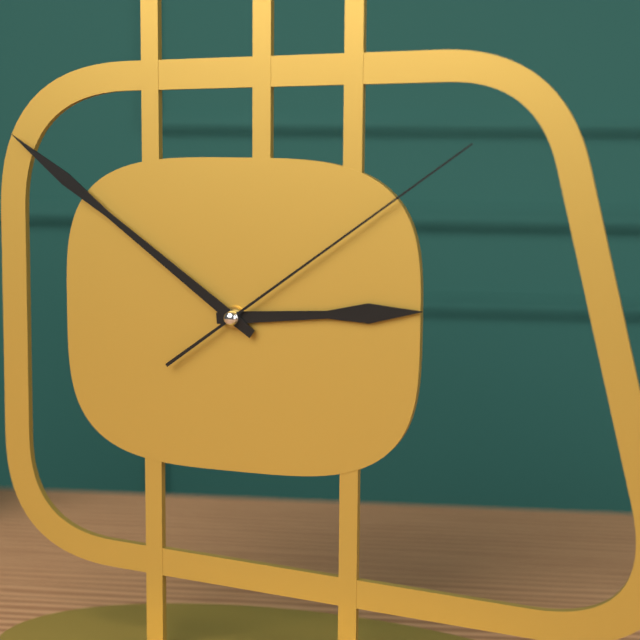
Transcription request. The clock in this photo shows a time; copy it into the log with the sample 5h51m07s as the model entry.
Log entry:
2h51m09s
